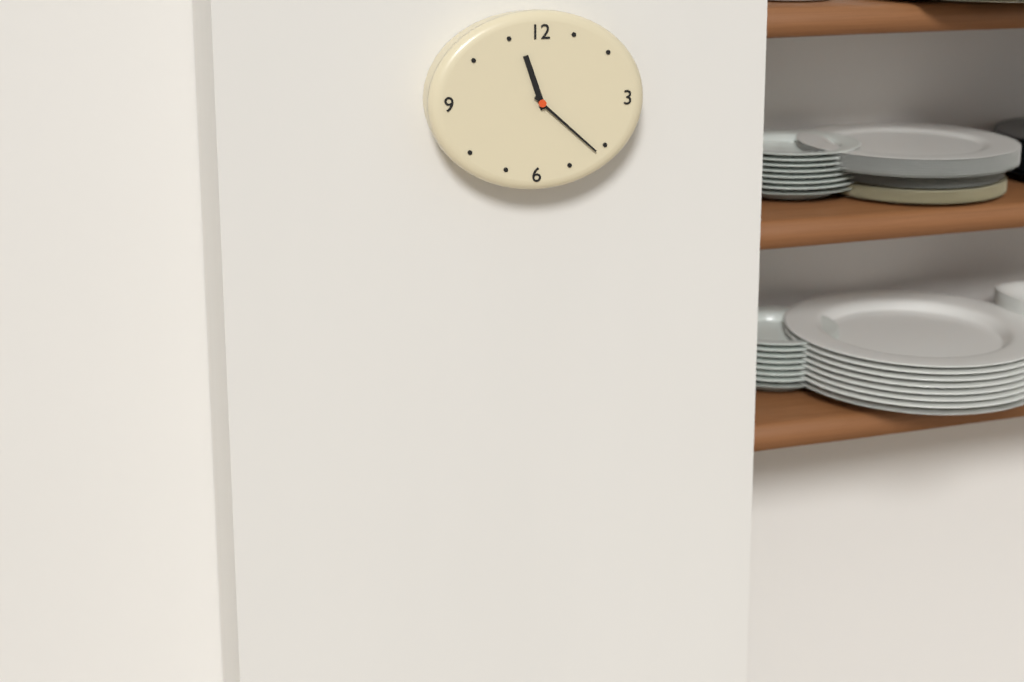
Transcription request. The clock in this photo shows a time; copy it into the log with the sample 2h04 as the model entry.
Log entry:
11h22
